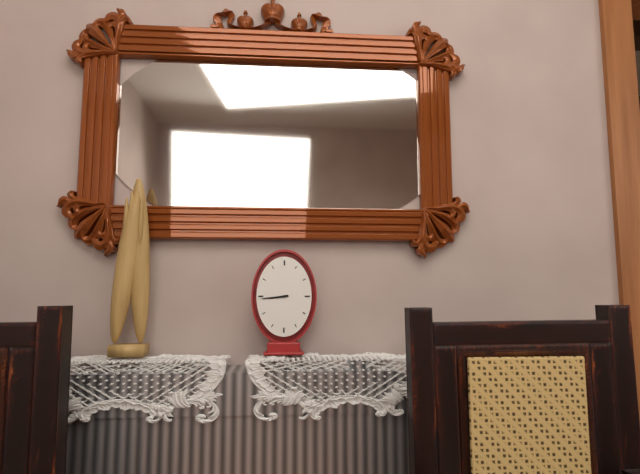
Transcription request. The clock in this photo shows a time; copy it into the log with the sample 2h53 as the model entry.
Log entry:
8h44
